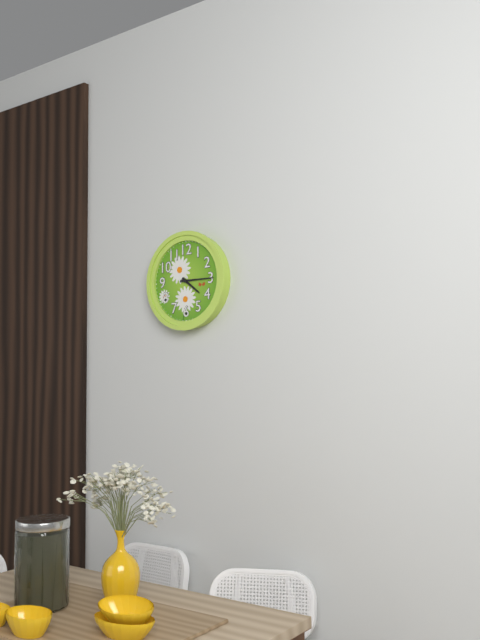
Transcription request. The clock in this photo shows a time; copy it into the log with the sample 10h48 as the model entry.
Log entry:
4h15
